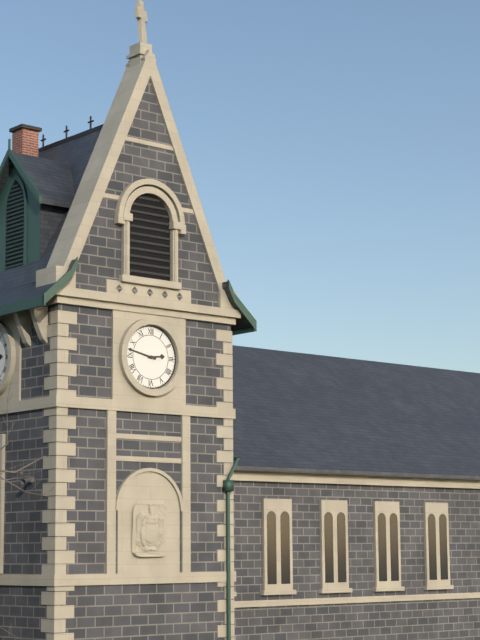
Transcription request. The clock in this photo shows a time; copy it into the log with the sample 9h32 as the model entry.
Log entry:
2h47
